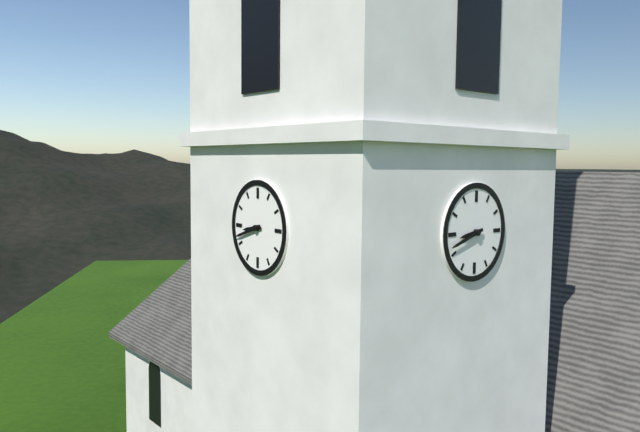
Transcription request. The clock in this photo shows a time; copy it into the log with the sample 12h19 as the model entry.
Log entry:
8h42
